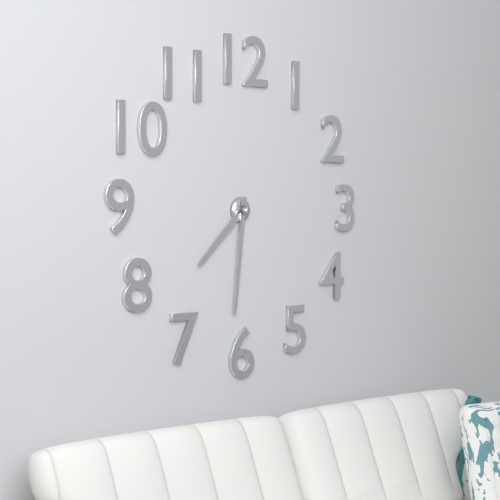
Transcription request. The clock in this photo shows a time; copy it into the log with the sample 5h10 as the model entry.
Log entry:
7h31
